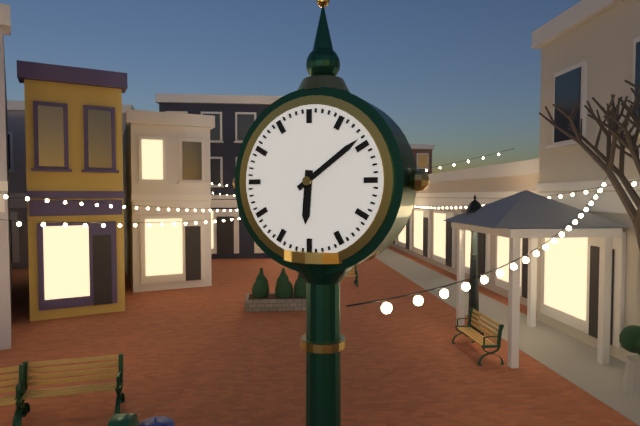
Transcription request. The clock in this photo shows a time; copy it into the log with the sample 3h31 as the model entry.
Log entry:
6h09
